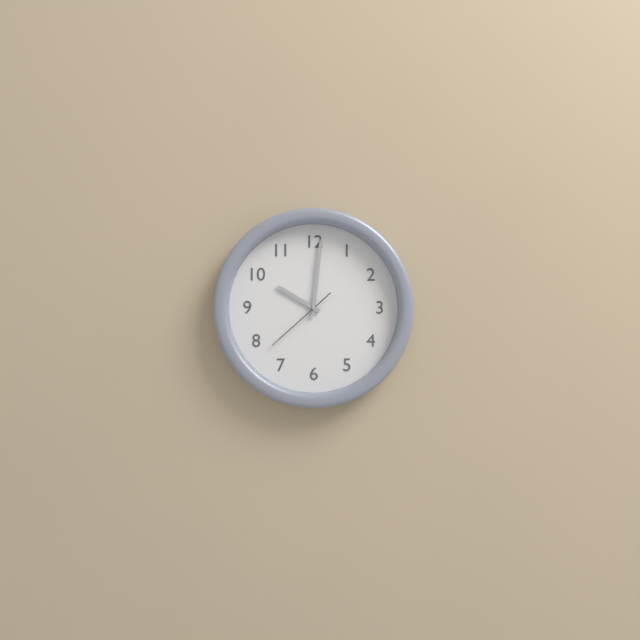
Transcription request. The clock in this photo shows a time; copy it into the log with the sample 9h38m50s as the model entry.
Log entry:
10h01m38s
